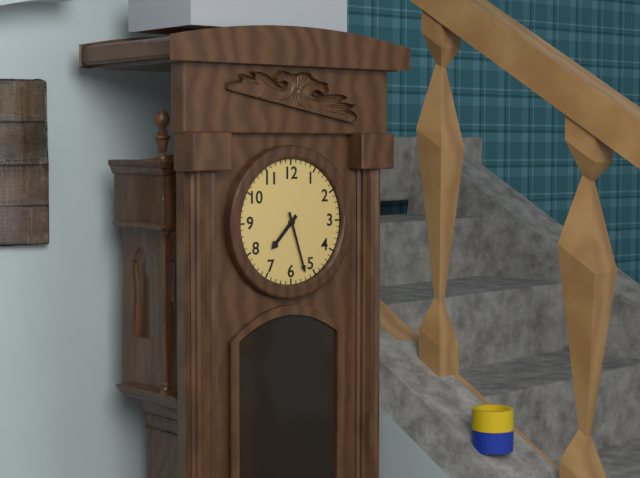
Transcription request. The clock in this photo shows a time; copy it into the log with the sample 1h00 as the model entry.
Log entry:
7h27
